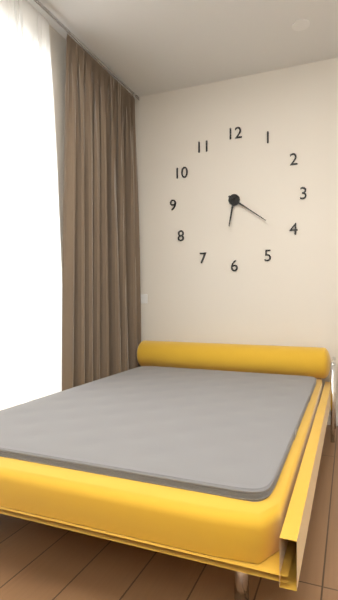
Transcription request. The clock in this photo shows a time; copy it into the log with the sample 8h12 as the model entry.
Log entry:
6h21
